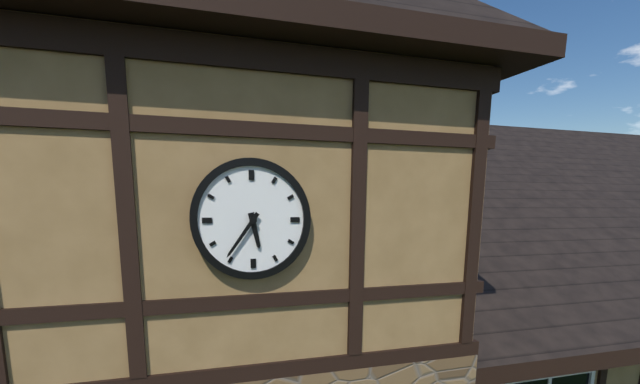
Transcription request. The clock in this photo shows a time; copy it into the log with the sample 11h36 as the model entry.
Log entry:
5h36
